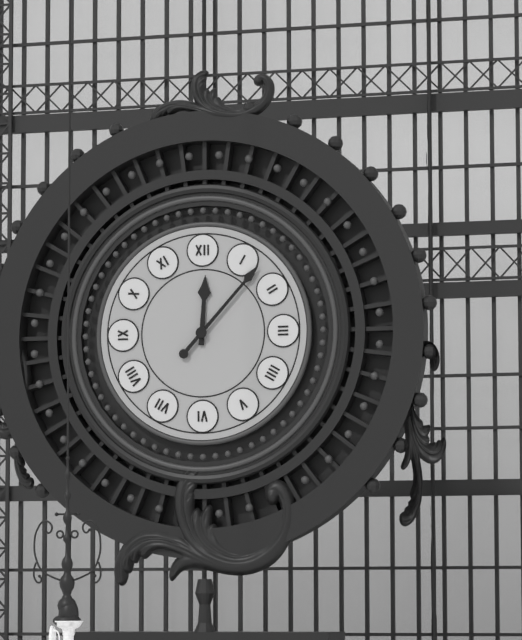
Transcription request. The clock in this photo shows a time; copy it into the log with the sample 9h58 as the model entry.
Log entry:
12h07
